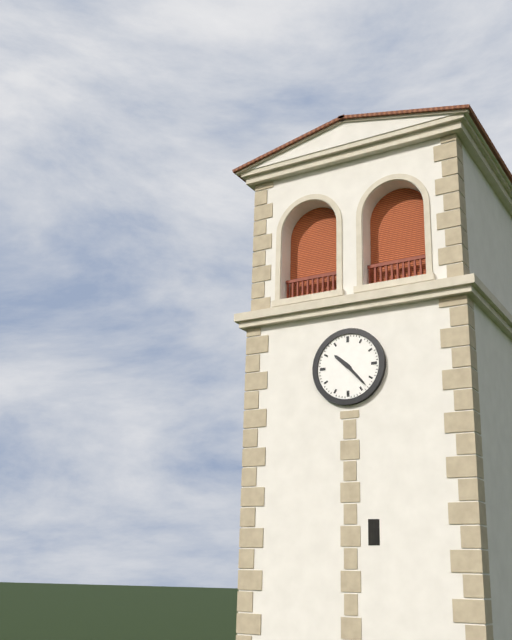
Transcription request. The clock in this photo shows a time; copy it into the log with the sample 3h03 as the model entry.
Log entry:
10h23
